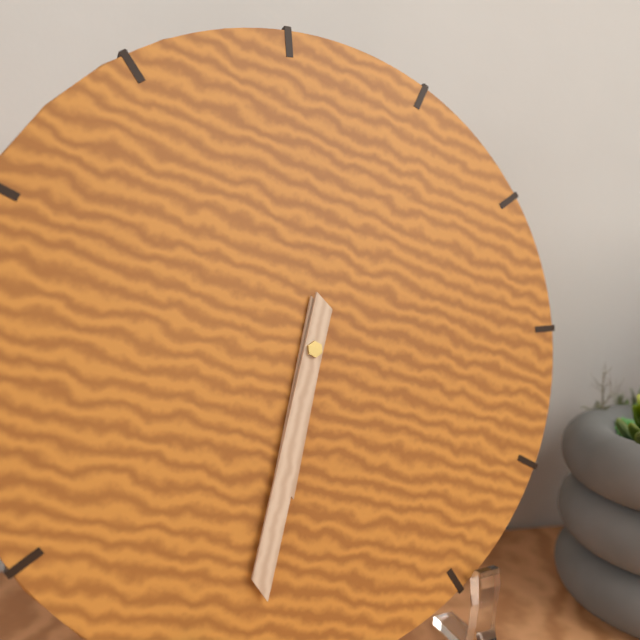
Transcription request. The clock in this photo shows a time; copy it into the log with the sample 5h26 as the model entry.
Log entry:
6h33
